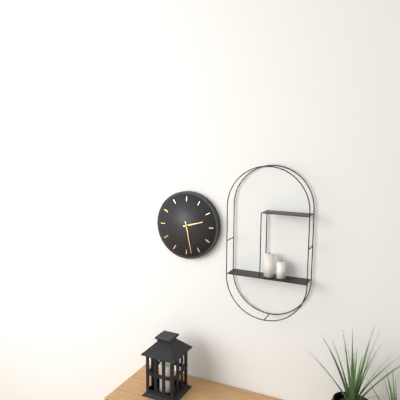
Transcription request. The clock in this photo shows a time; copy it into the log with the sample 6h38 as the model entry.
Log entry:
2h28
